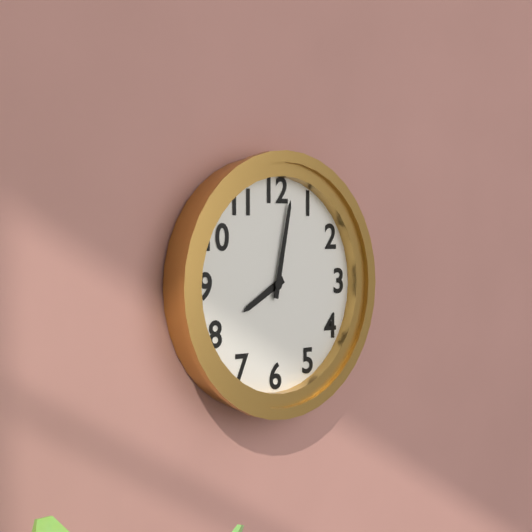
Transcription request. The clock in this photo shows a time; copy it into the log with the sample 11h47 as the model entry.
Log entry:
8h02
